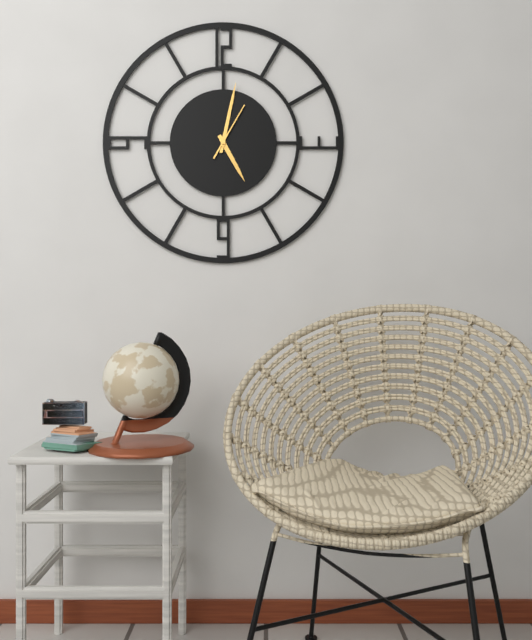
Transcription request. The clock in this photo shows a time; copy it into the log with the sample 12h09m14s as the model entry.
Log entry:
5h02m05s
